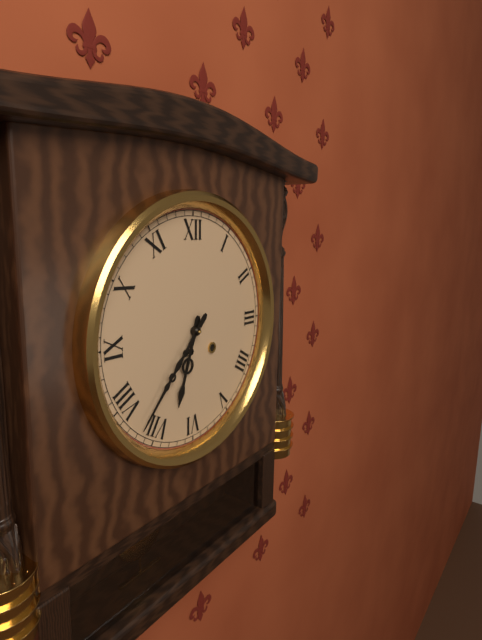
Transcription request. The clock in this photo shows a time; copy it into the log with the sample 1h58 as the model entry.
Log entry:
6h37
